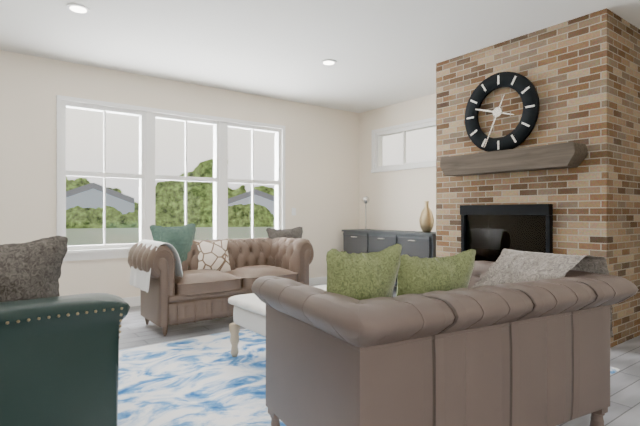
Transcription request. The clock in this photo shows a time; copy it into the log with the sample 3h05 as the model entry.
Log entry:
9h34
